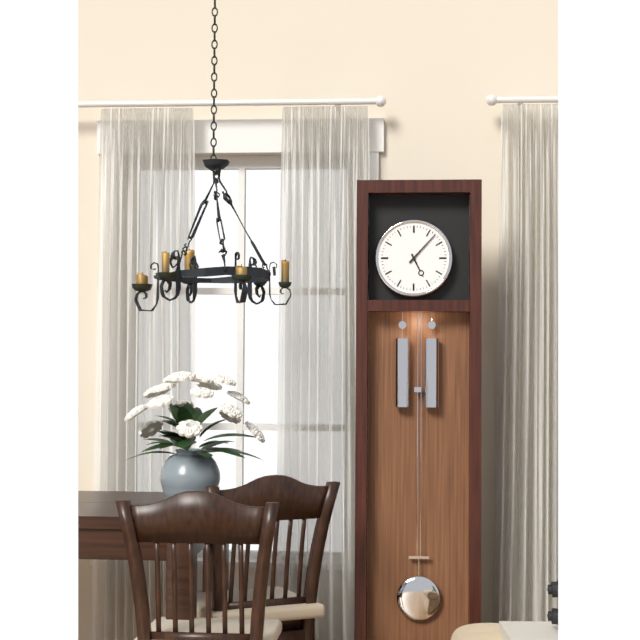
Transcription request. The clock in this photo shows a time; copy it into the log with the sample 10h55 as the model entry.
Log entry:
5h07
